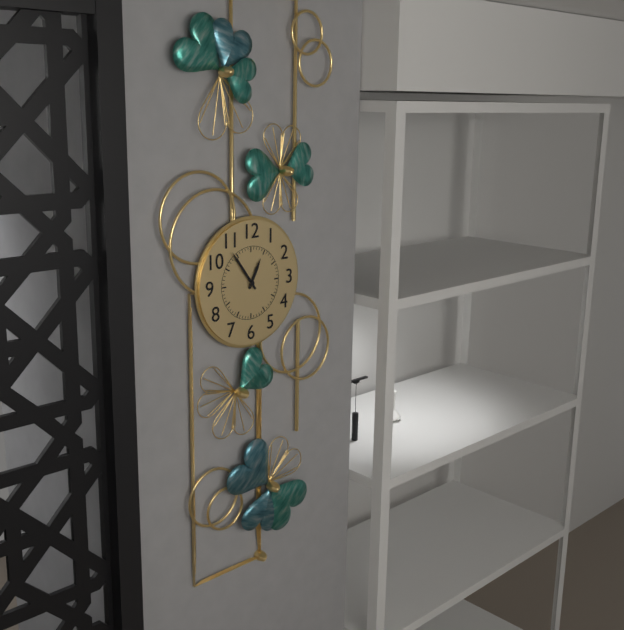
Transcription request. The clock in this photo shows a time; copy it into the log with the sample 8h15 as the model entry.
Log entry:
12h54
